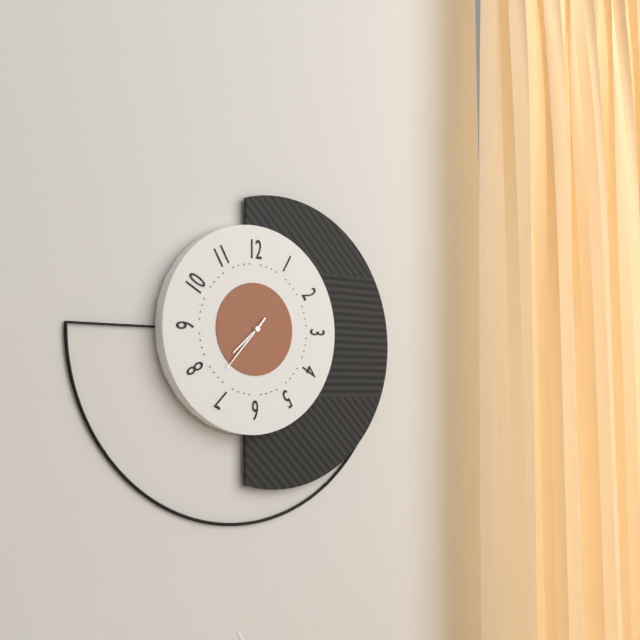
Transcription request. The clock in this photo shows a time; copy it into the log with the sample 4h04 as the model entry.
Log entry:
7h37
